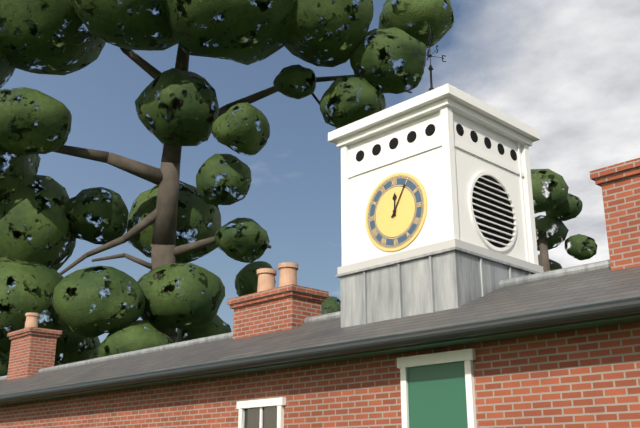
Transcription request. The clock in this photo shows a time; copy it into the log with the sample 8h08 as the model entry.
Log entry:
12h05
